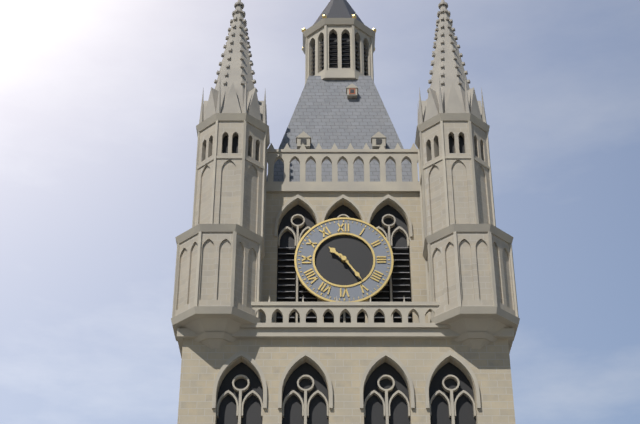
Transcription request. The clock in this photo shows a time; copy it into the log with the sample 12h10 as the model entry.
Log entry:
10h24
